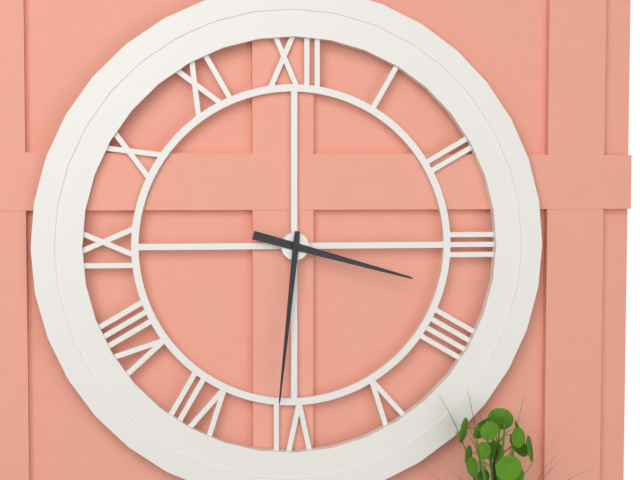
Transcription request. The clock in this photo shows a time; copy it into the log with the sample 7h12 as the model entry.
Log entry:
3h31
